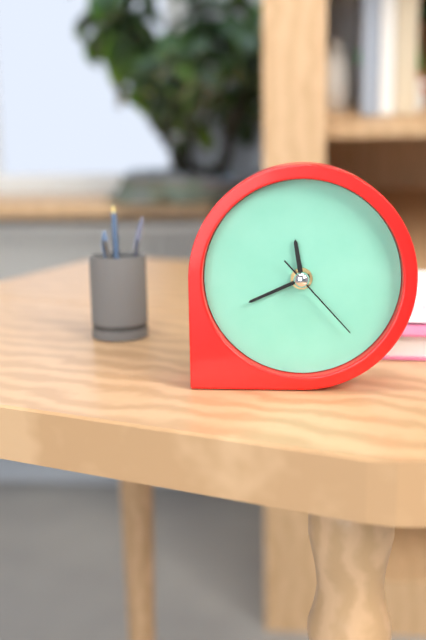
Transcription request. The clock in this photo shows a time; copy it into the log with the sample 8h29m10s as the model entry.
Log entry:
11h41m23s
